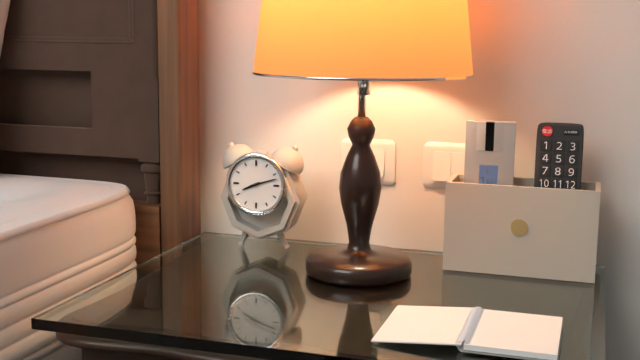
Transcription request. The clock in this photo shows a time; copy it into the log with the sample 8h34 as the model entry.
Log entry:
8h12
